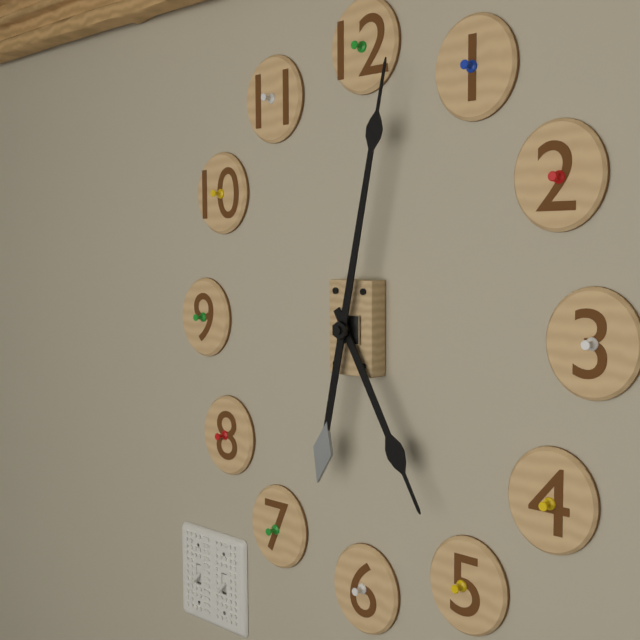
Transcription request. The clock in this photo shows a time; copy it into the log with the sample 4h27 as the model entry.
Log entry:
5h02
